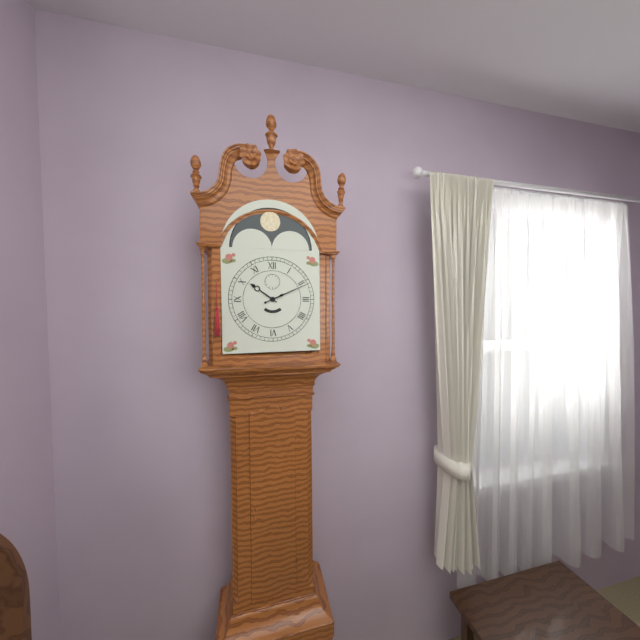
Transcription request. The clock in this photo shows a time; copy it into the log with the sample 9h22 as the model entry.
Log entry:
10h11
